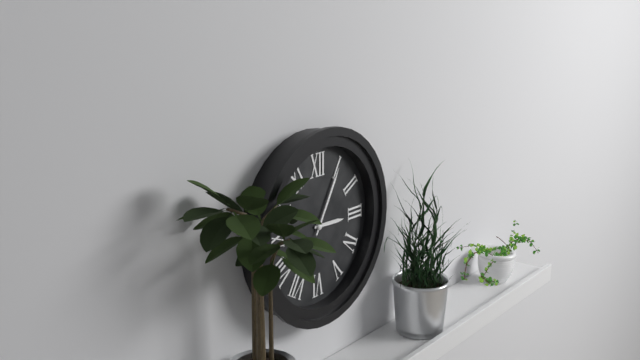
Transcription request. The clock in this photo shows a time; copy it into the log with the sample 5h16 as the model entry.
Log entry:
3h05
